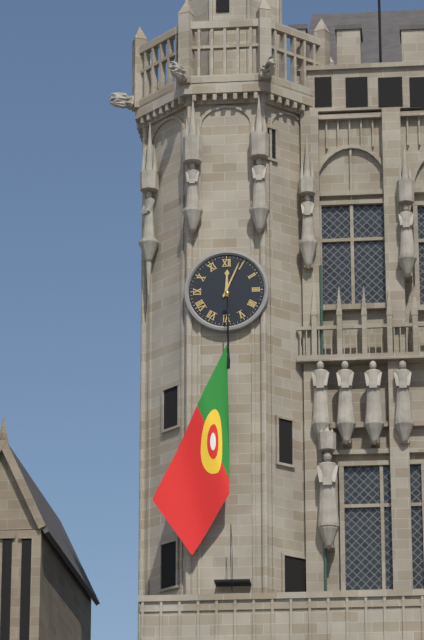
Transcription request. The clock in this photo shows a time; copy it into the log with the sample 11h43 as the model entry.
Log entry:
12h04
